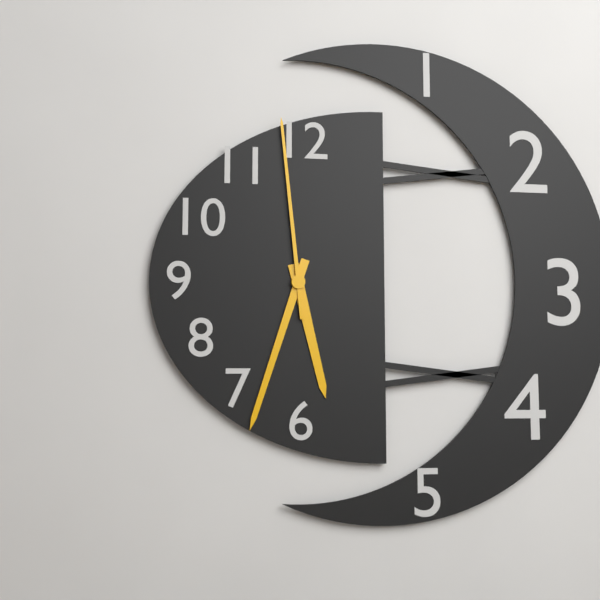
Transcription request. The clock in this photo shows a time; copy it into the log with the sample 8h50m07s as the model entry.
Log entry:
5h33m59s
